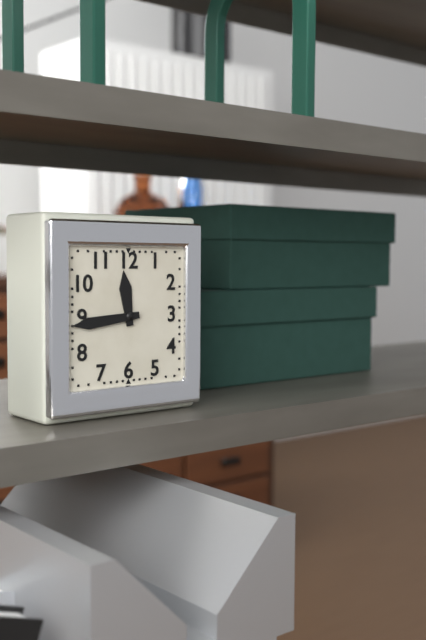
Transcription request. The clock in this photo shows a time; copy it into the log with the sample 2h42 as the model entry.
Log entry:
11h44
